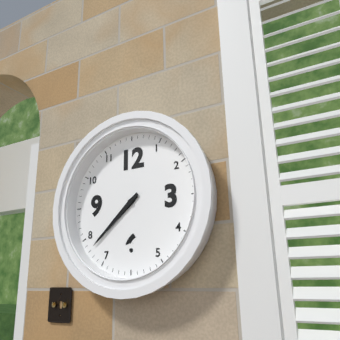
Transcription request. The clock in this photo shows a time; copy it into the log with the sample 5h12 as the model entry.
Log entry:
7h38
